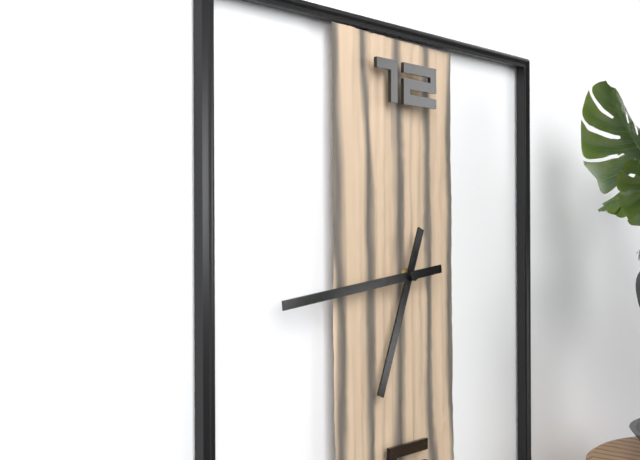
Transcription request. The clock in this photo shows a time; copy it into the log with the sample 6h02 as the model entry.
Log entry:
6h44
